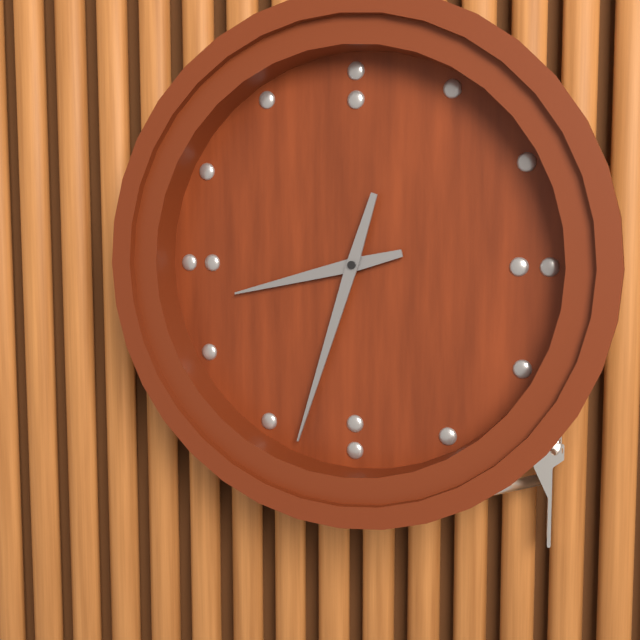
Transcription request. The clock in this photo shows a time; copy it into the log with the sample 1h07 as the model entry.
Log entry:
8h33
